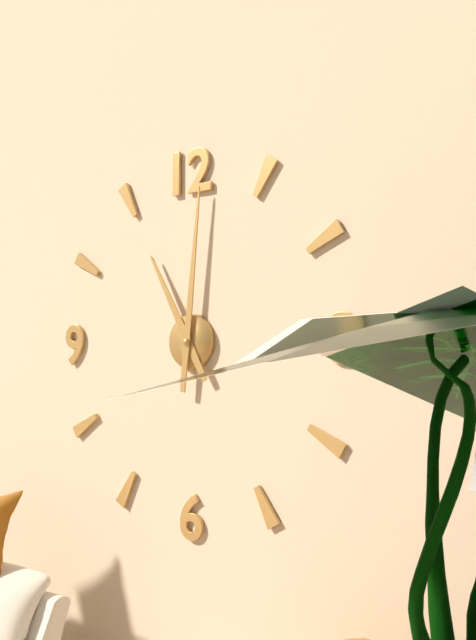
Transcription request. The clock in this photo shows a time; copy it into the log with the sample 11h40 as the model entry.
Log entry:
11h01
